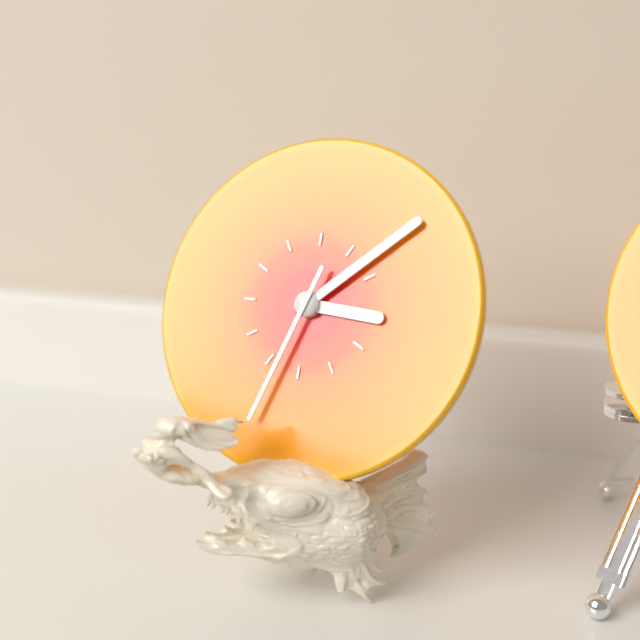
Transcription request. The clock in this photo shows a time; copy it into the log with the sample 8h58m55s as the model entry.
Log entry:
3h08m33s
